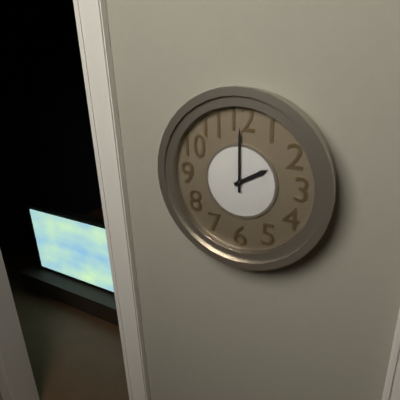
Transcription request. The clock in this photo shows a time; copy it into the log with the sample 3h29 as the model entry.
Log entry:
2h00
